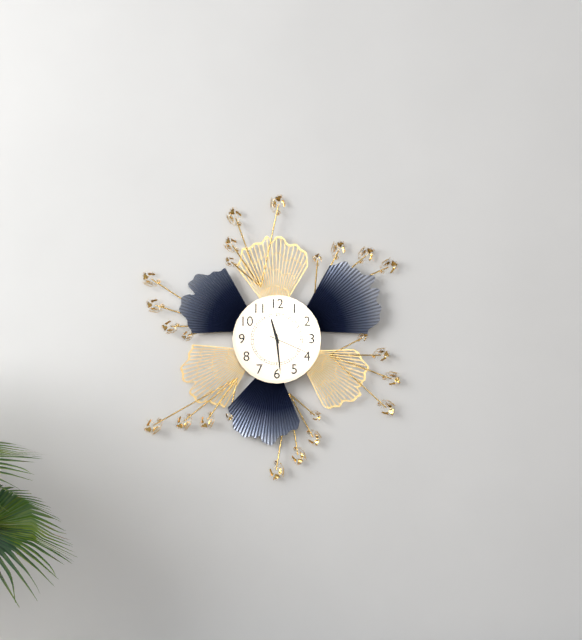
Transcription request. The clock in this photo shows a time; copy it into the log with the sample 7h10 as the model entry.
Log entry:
11h29
